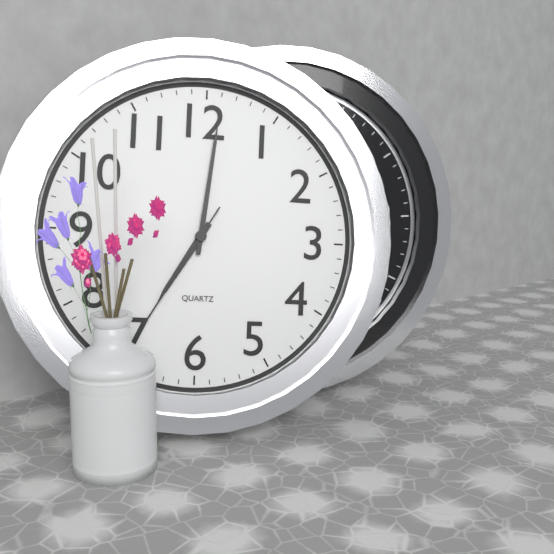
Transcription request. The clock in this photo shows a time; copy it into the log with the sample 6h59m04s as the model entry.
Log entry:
7h01m35s
